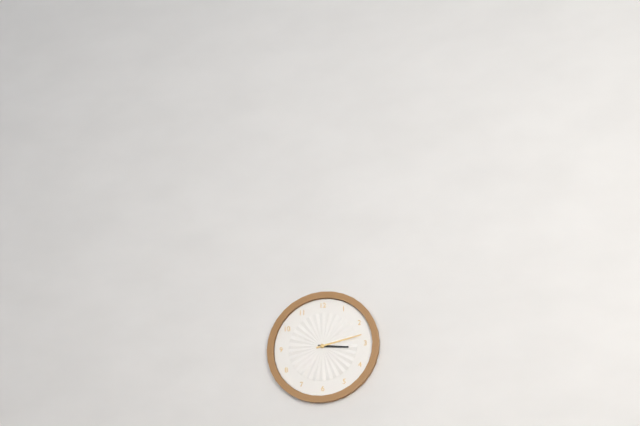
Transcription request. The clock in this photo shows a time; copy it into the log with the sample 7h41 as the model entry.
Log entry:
3h13
